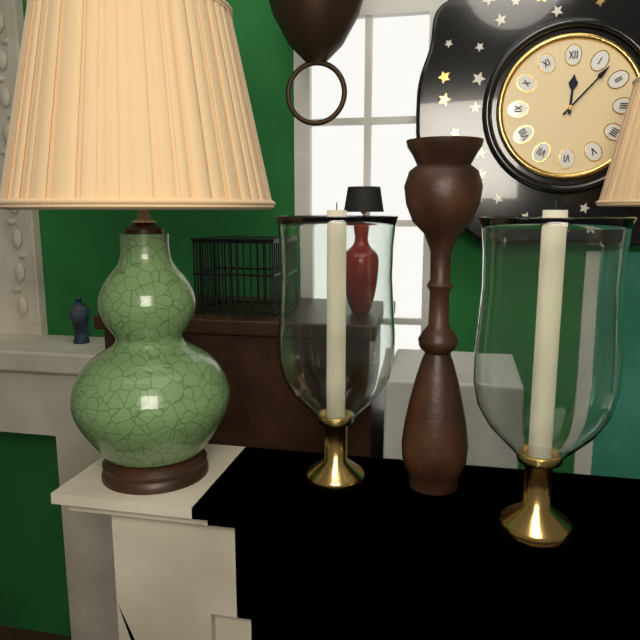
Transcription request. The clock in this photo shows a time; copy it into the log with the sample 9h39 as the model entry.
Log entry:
12h07
